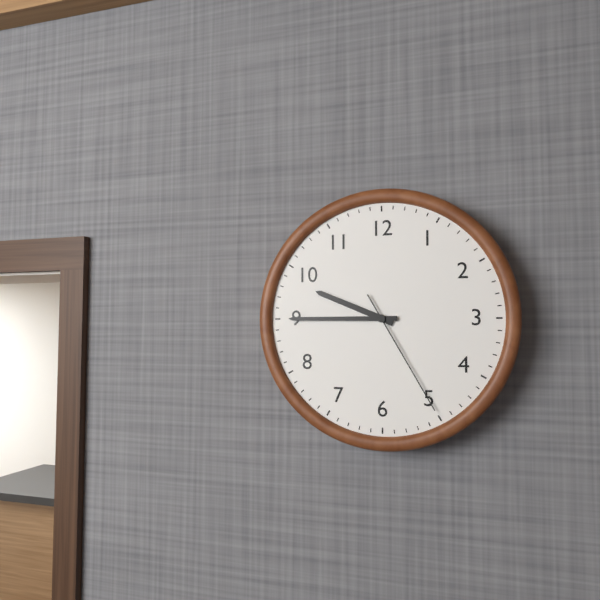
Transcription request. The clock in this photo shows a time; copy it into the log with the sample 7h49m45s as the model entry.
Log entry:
9h45m25s
